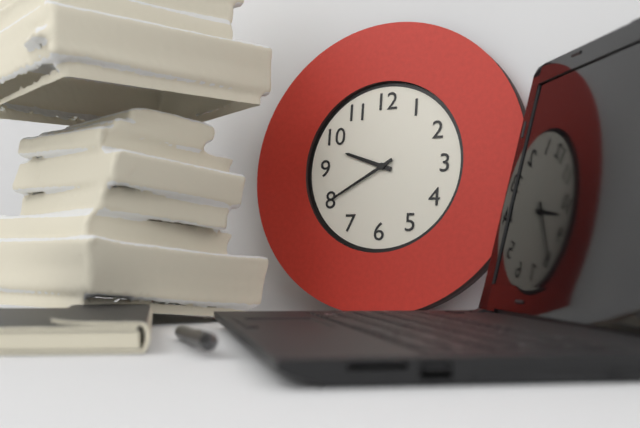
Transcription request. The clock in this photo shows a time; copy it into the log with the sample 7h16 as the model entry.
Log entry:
9h40
